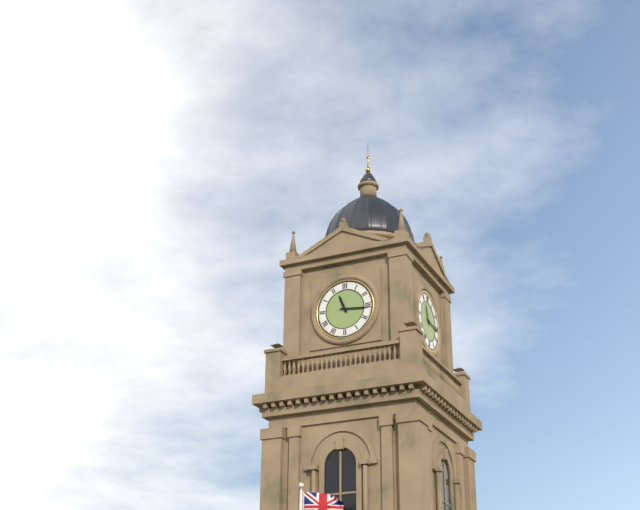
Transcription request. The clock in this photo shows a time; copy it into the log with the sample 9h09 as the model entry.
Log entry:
11h16
